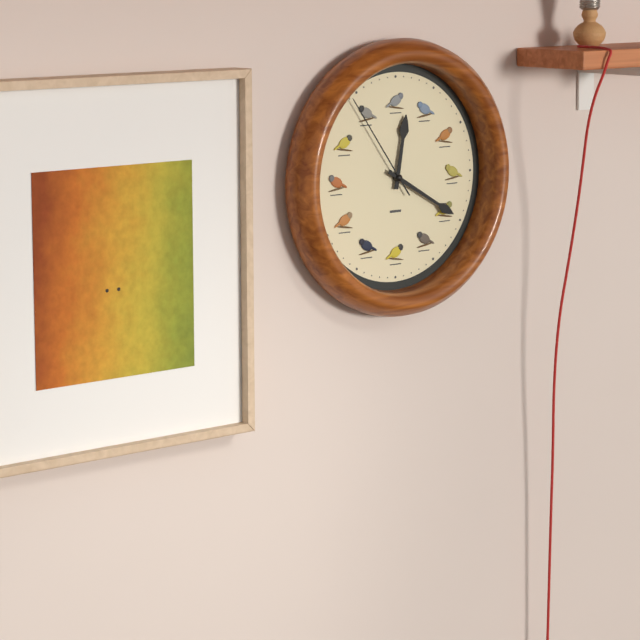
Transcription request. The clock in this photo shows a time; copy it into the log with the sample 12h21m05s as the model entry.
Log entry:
12h20m54s
